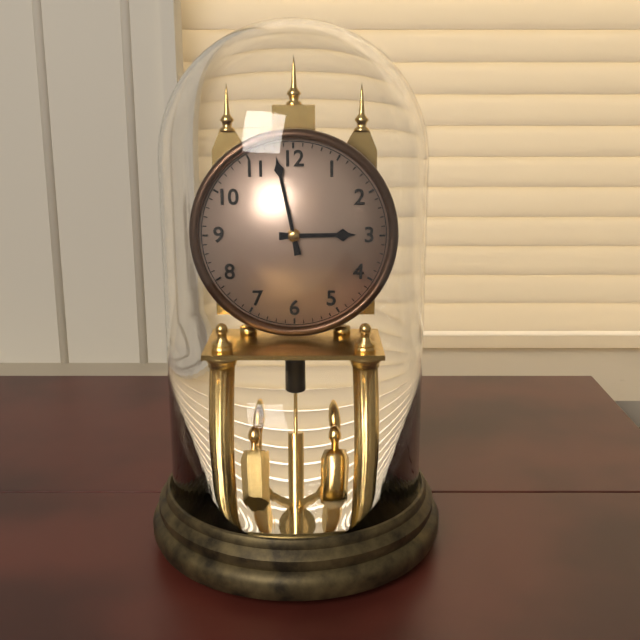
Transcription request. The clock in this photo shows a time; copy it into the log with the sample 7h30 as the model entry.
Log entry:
2h58
